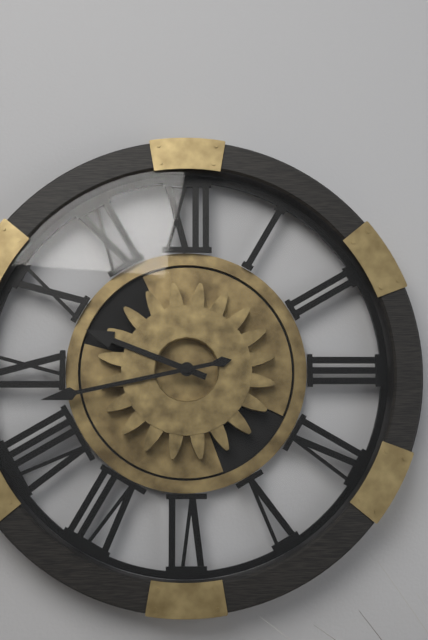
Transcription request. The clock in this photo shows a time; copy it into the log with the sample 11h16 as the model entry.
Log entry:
9h43
